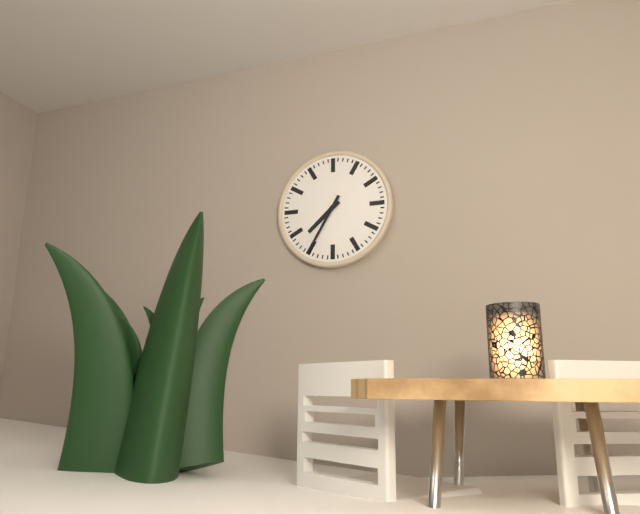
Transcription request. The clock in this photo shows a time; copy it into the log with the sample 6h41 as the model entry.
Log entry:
7h35
